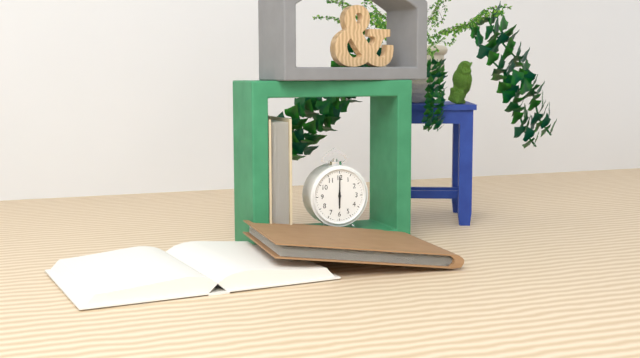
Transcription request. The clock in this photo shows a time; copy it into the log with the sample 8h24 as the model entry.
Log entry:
6h00
